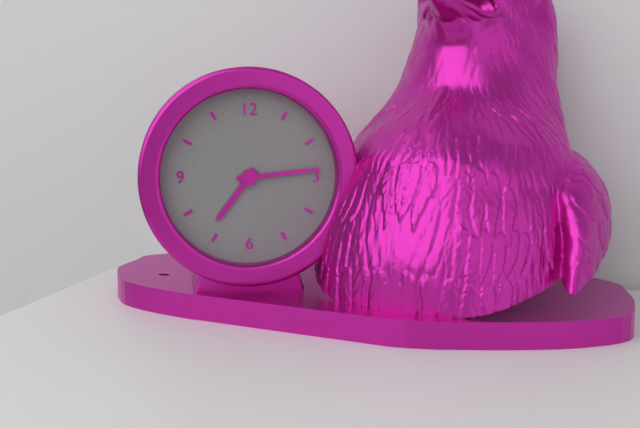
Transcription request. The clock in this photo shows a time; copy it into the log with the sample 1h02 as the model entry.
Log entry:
7h14
